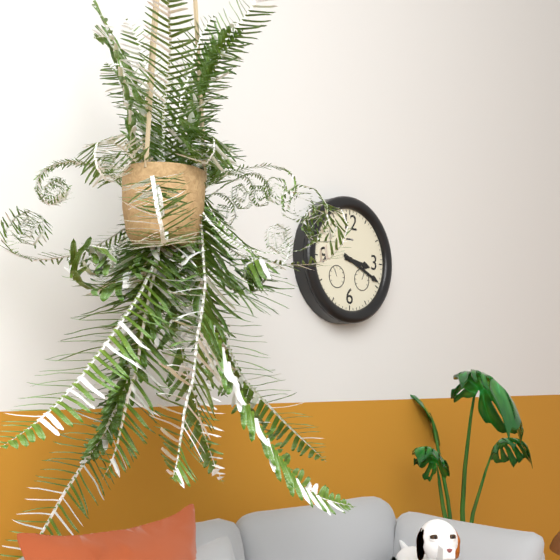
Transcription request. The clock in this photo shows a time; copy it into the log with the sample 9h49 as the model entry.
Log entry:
3h19
